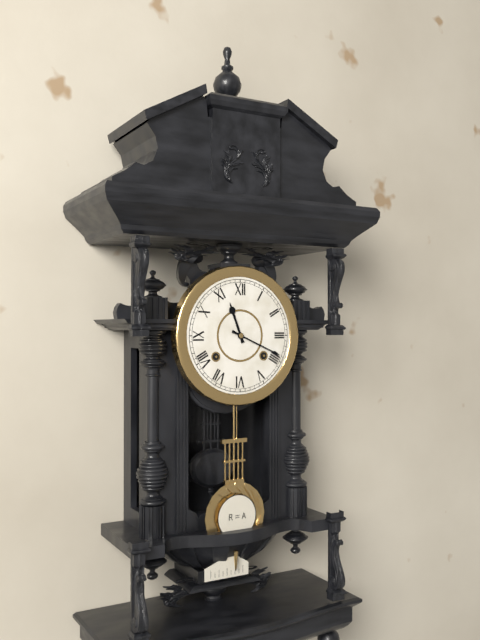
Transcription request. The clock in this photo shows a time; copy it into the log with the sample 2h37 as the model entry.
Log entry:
11h19
